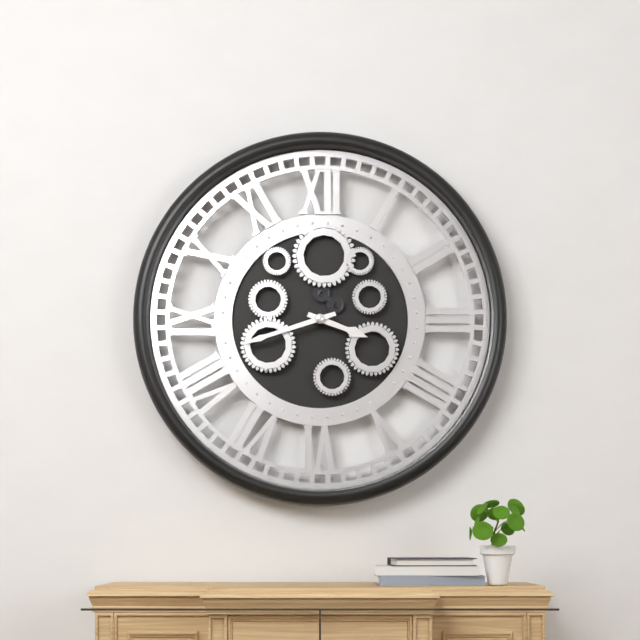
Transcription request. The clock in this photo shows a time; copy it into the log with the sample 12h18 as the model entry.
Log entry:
3h42
